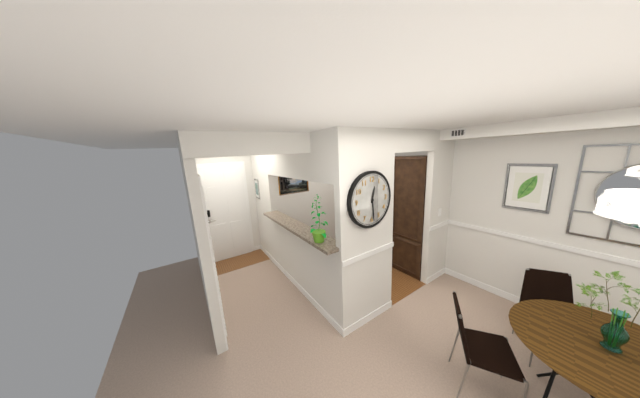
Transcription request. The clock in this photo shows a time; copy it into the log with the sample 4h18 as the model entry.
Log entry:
12h29
